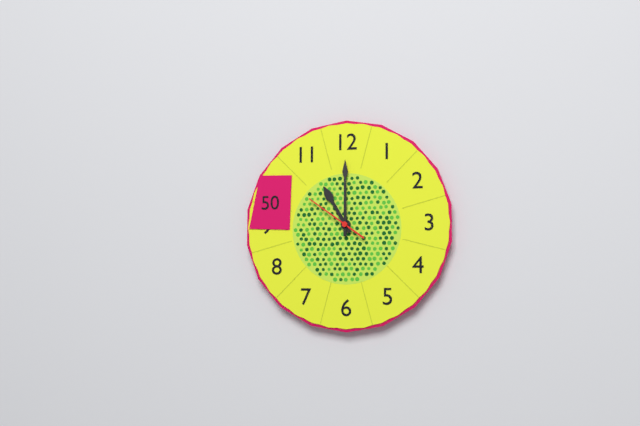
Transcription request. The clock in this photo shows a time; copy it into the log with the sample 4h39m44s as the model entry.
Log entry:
11h00m51s
